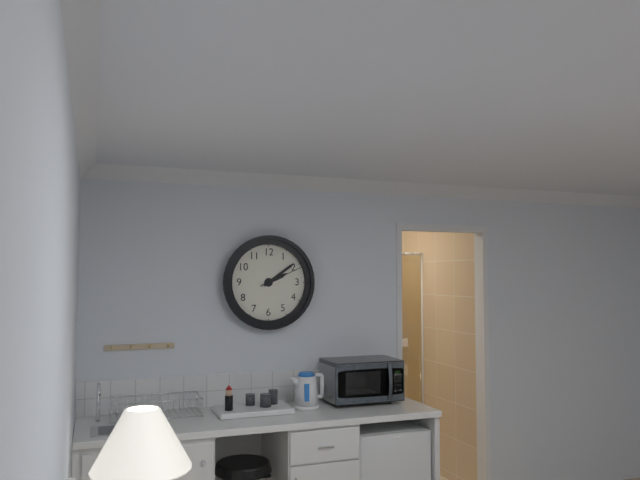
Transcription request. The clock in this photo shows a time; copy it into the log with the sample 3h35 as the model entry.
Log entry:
2h09
